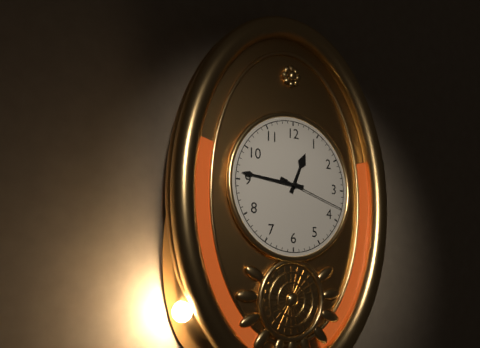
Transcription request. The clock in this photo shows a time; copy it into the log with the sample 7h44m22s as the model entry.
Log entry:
12h46m18s
